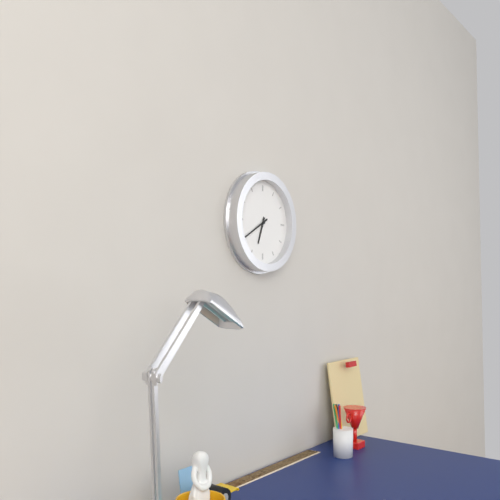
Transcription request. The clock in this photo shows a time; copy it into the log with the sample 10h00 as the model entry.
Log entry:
6h40
